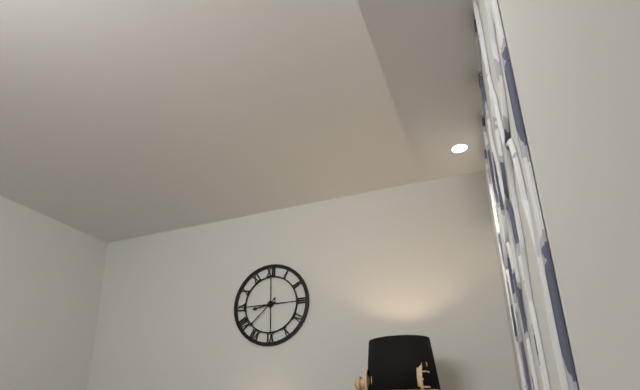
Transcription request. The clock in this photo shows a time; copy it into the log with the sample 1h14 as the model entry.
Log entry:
8h38
